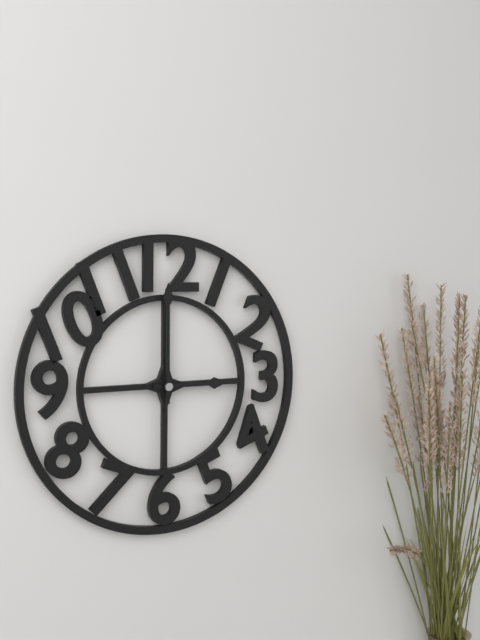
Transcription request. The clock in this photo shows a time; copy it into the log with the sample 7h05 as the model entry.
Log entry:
3h00
